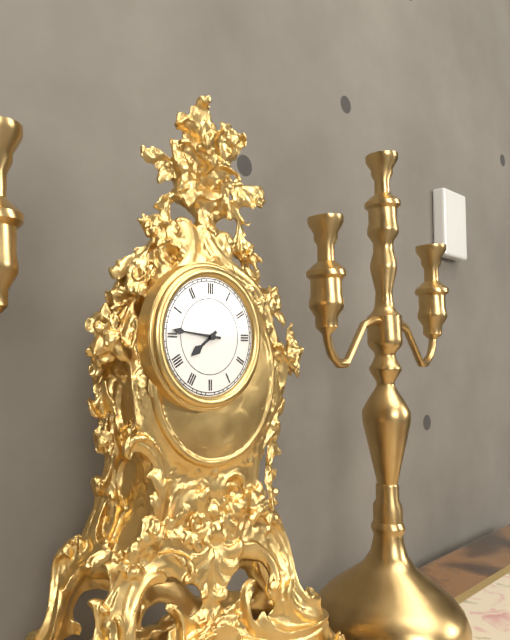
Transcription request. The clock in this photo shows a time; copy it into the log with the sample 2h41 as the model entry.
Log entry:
7h46
